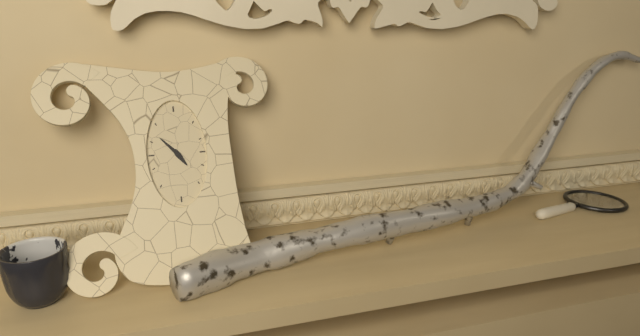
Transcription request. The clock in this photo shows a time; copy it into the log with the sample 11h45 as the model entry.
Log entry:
4h53
